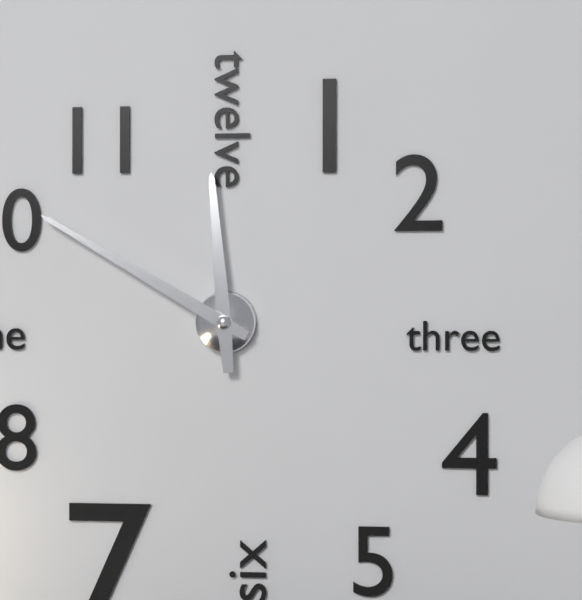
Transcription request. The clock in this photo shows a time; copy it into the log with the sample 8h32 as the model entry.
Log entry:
11h50
